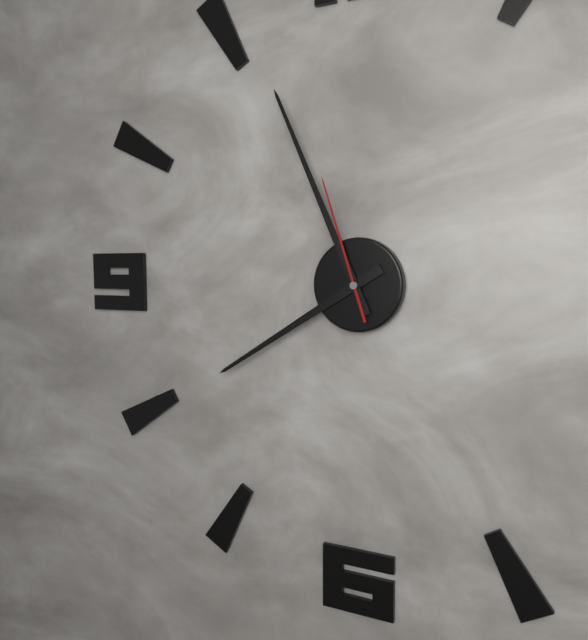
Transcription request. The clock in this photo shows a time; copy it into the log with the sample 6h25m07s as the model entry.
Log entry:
7h56m57s
